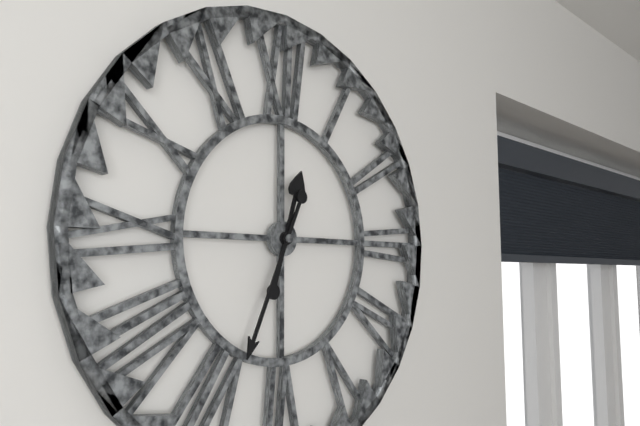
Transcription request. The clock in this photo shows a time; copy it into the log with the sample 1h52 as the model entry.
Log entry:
12h34
